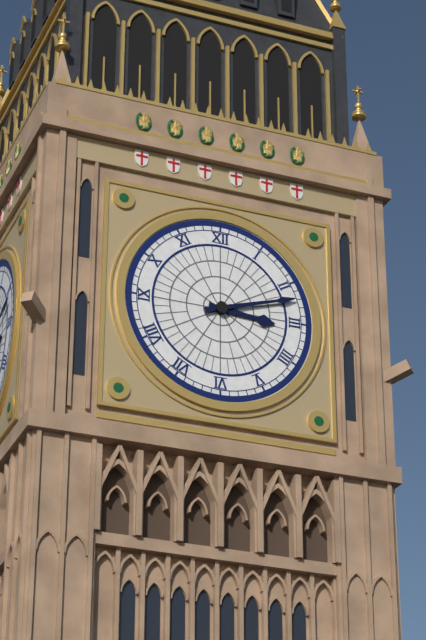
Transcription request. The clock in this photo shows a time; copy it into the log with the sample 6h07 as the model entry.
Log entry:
3h12
